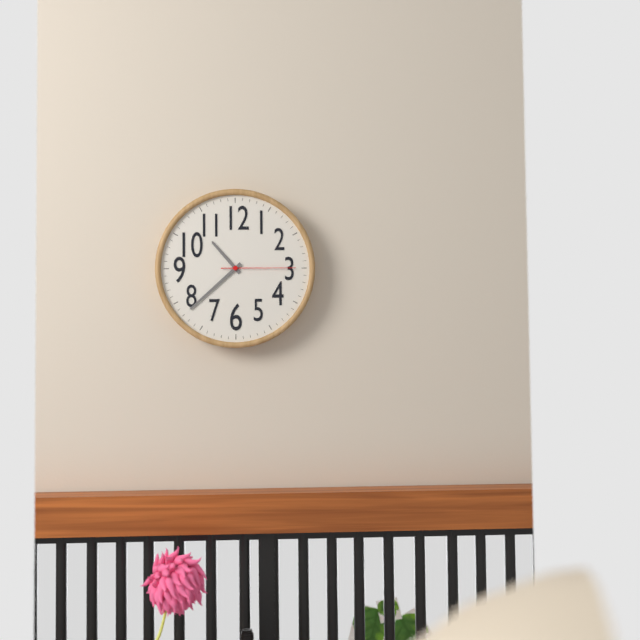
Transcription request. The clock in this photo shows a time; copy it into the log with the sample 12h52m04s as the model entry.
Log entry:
10h38m15s
